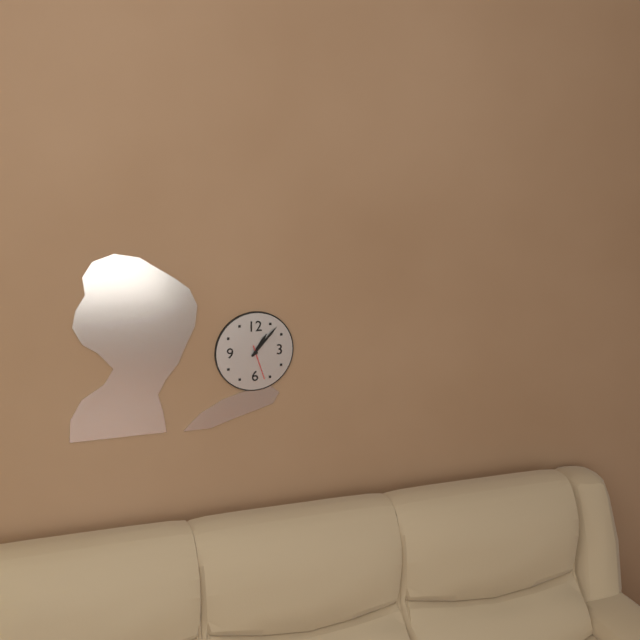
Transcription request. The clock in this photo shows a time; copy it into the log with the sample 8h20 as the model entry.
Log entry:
1h07
